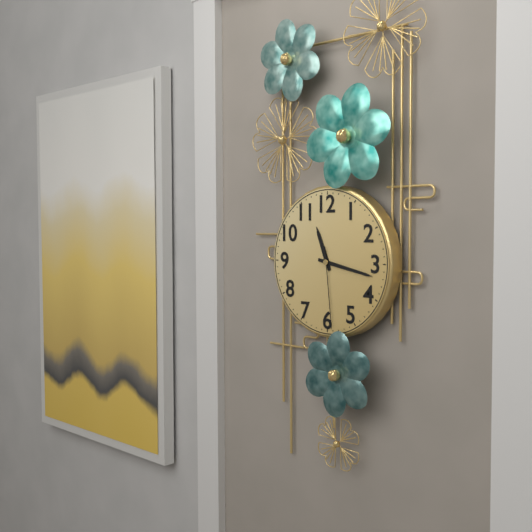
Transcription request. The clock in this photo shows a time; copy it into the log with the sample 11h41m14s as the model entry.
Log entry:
11h17m29s
